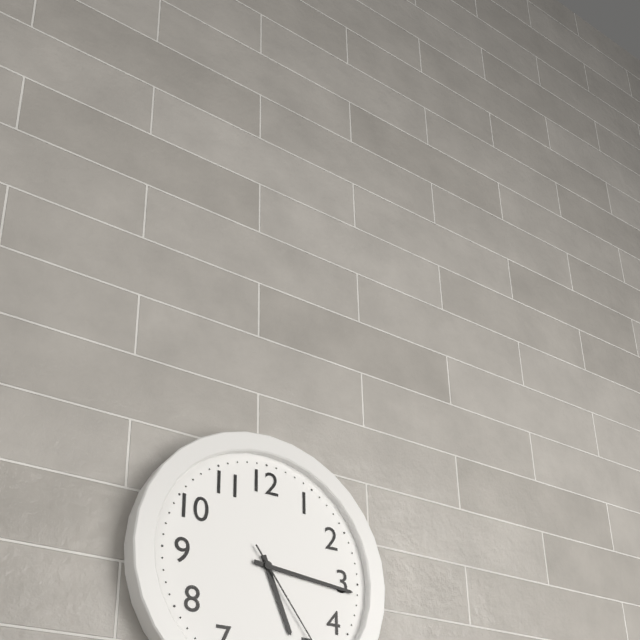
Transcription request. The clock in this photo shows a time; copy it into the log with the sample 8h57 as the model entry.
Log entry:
5h16
